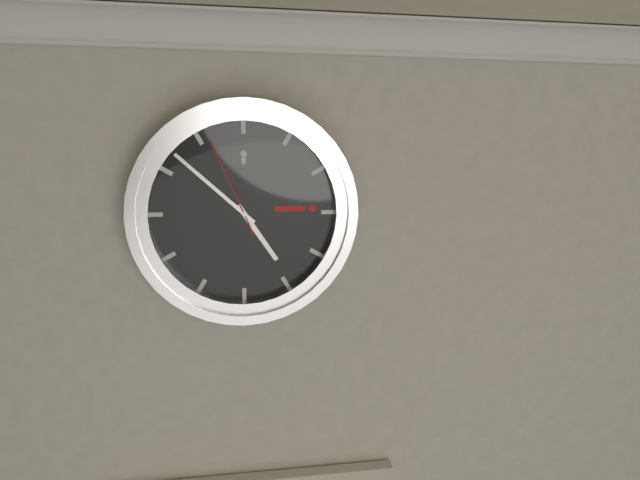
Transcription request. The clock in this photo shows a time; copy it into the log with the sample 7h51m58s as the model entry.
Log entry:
4h52m56s
